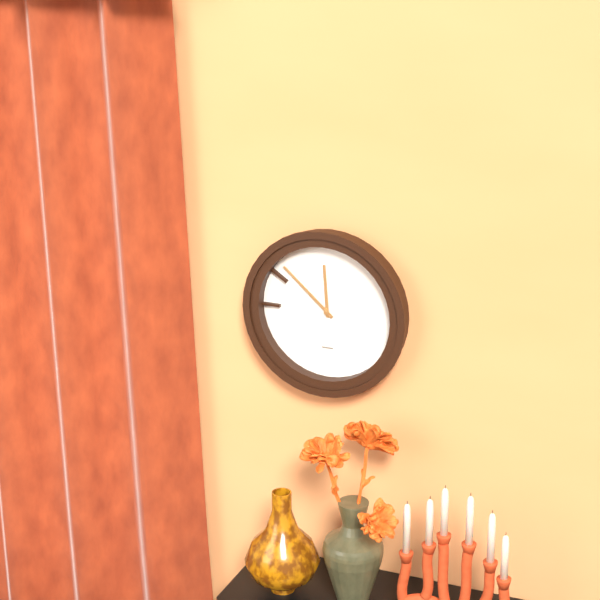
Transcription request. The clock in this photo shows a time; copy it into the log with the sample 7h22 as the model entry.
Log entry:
11h52
